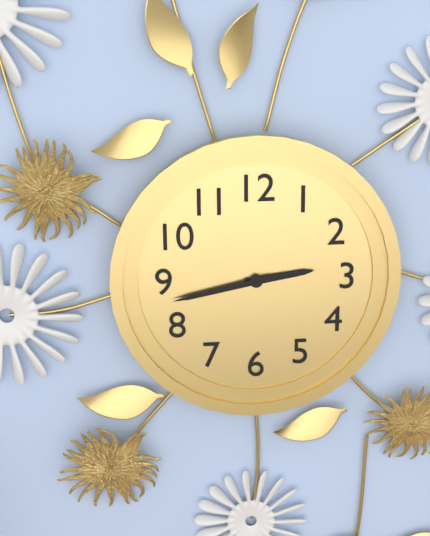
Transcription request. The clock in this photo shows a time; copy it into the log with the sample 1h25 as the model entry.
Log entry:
2h43
